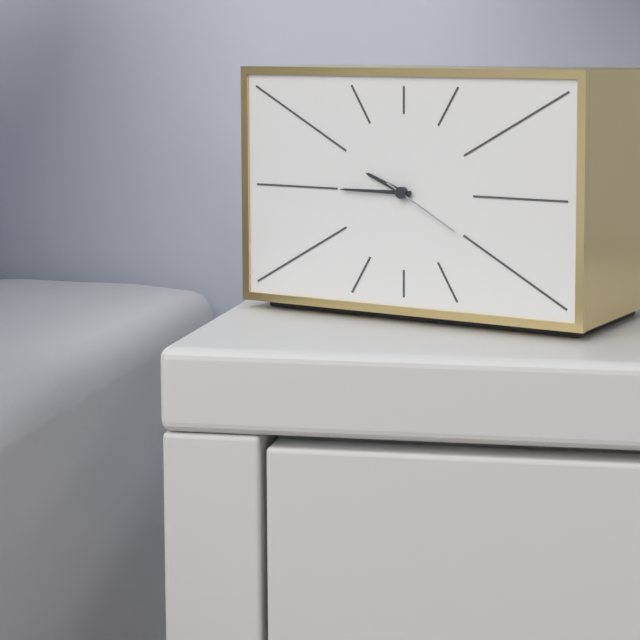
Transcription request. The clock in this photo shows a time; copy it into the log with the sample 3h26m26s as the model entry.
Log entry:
9h45m20s
